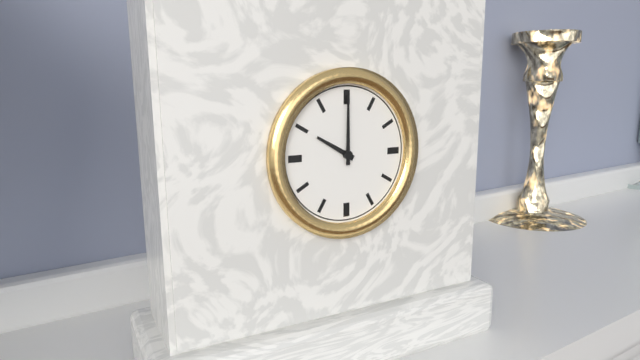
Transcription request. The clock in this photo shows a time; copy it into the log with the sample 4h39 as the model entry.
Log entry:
10h00
